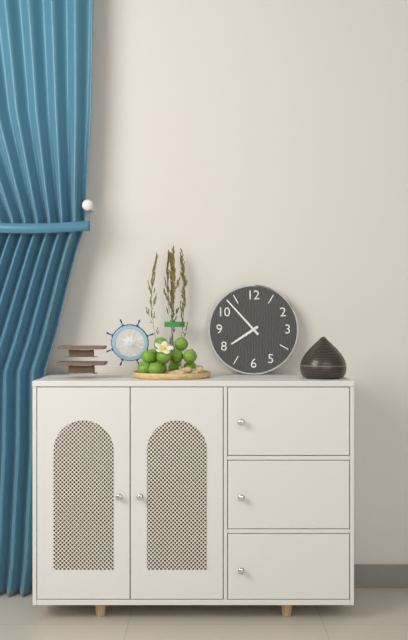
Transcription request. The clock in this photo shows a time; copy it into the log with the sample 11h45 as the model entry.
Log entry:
7h53
